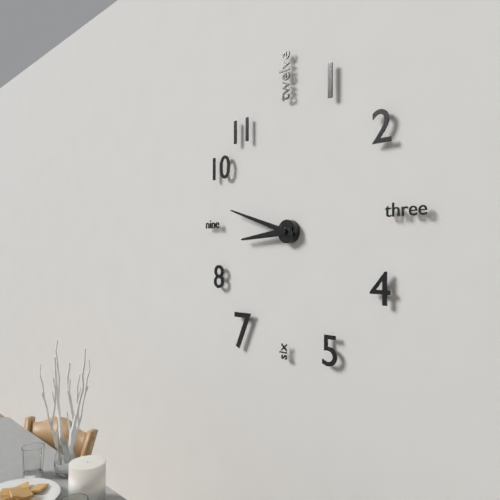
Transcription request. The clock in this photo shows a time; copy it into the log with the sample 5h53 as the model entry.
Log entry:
8h48
